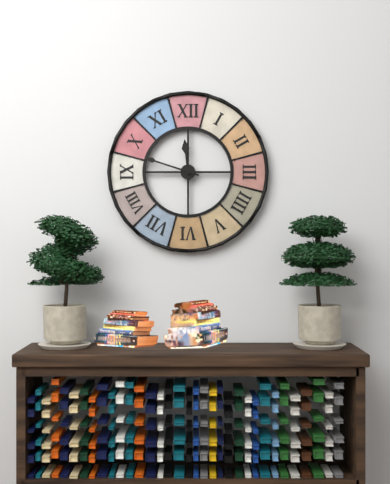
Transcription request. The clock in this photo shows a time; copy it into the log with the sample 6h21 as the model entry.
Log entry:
11h48
